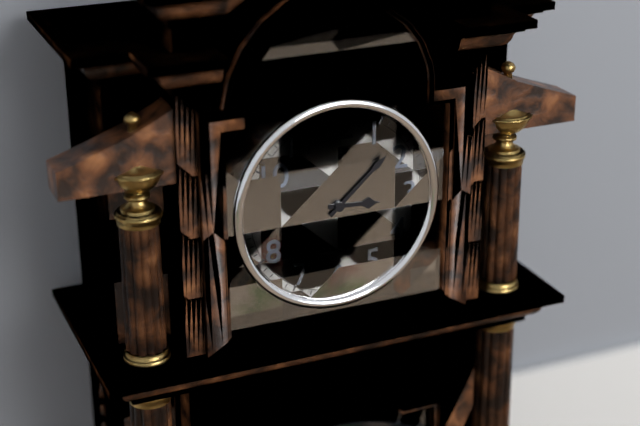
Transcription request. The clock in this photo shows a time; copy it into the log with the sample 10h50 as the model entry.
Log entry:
3h08
